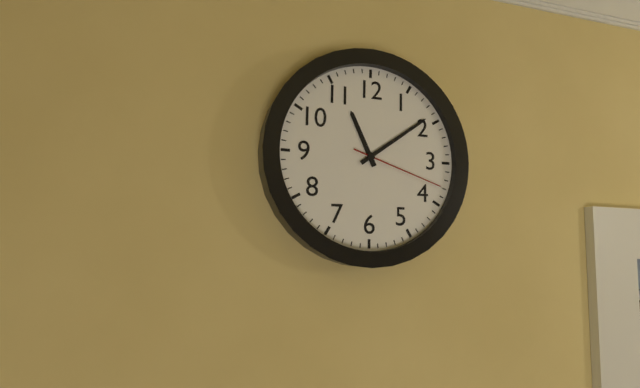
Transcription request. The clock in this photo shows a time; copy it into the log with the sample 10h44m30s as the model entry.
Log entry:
11h09m18s
